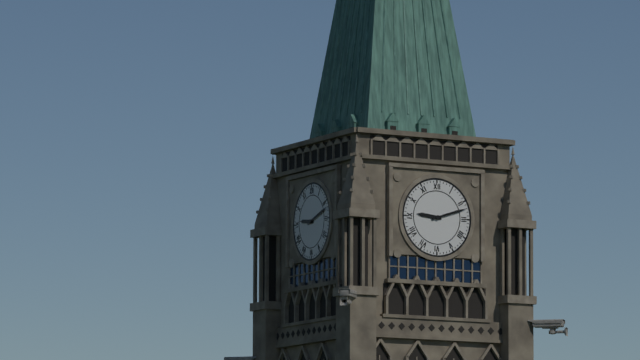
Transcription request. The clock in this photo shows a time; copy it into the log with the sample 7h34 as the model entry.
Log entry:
9h12
